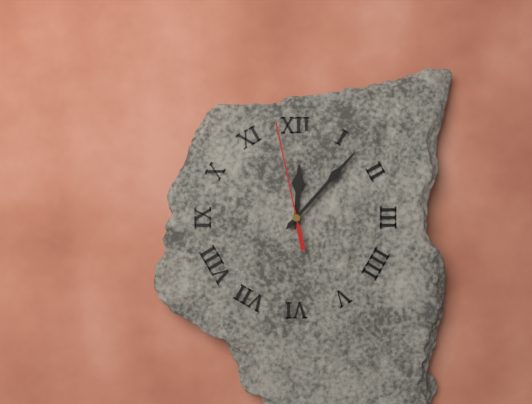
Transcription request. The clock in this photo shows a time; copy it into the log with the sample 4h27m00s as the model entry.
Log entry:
12h07m58s
